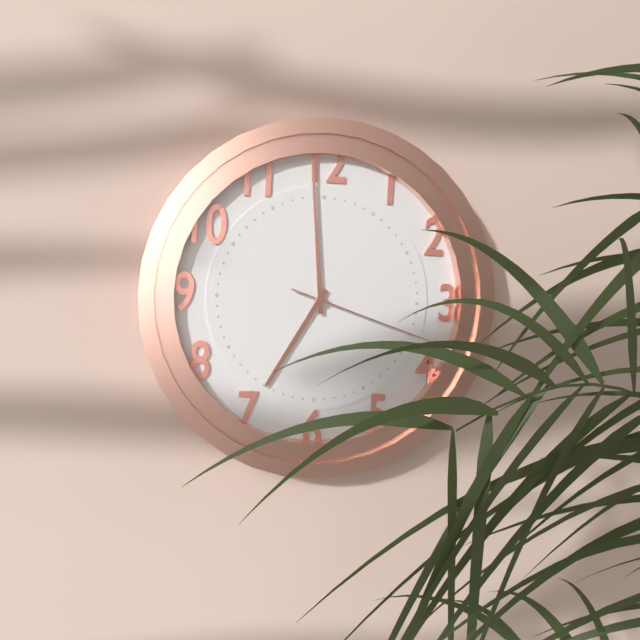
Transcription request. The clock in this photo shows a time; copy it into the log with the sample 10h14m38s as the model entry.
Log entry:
6h59m18s
